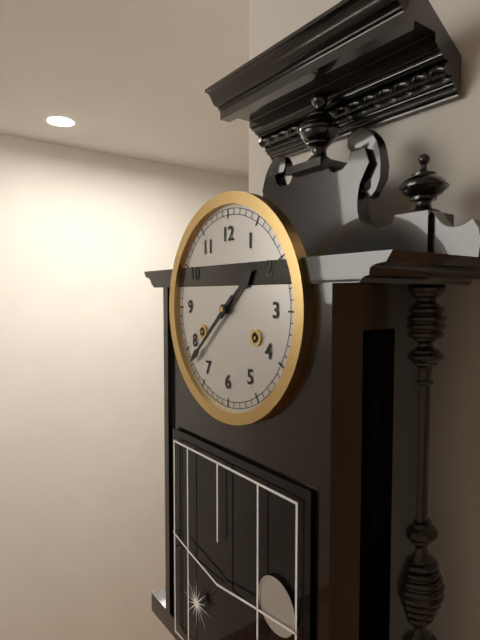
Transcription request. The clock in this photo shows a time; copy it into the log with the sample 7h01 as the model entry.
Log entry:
1h38
